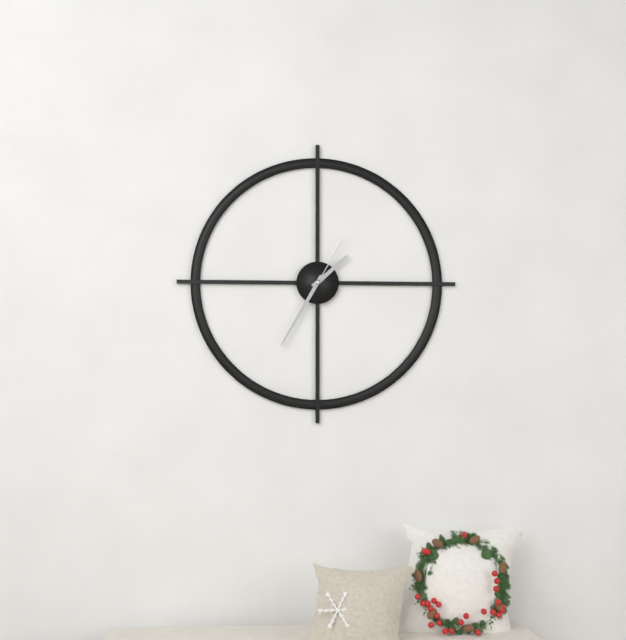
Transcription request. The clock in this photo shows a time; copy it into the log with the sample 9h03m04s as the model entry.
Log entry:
1h35m05s
